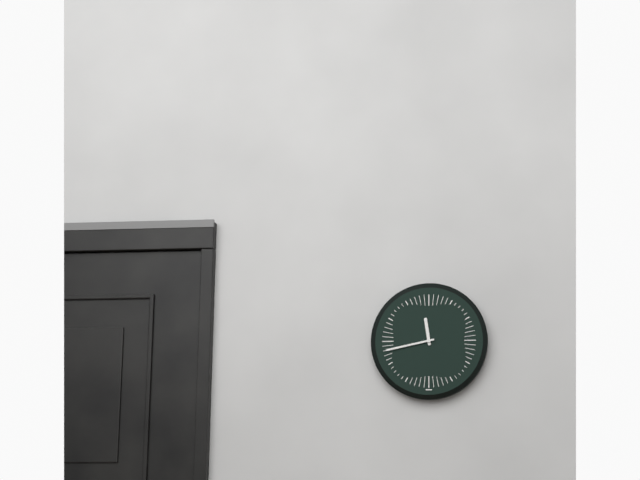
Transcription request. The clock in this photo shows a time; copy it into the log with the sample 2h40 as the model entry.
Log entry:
11h43
